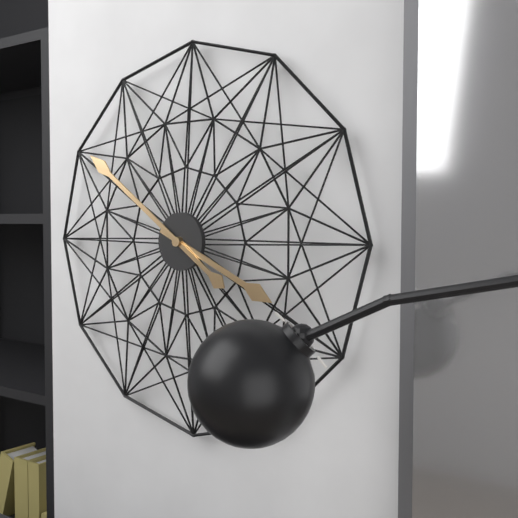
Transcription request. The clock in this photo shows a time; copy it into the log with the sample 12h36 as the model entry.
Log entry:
3h51
